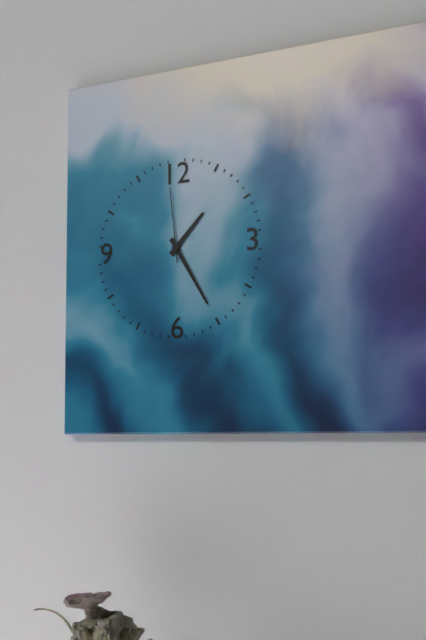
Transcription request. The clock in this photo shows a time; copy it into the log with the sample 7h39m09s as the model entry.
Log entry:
1h25m59s
